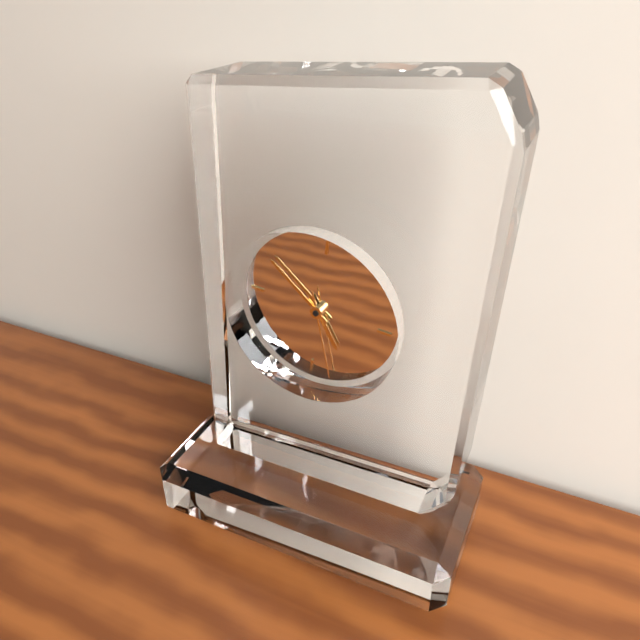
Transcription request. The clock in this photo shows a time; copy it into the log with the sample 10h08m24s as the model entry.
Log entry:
4h51m27s
